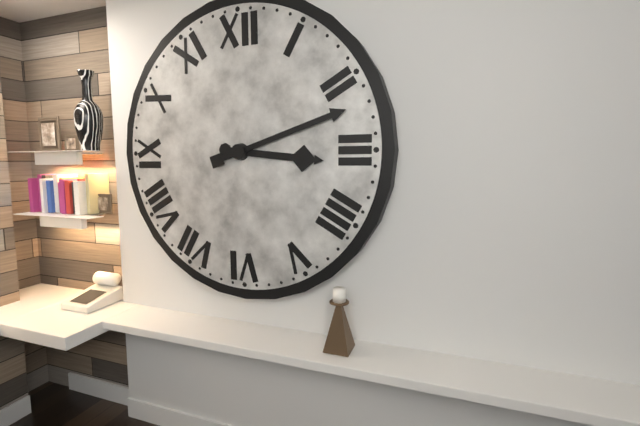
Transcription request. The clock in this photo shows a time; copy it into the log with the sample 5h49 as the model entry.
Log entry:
3h12
